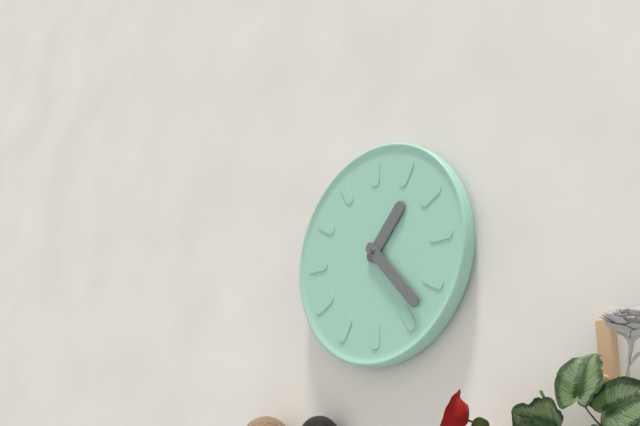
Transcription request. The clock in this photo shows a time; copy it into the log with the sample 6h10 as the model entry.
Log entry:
1h23
